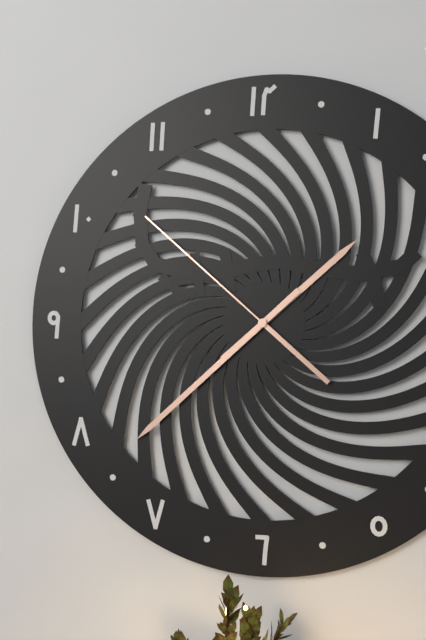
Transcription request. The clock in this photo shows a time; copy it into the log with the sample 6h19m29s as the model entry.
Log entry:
1h38m52s
